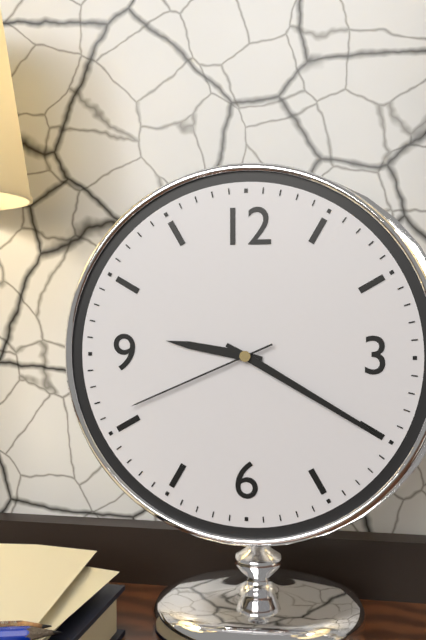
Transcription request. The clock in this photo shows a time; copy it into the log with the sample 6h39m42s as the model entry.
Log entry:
9h20m41s
